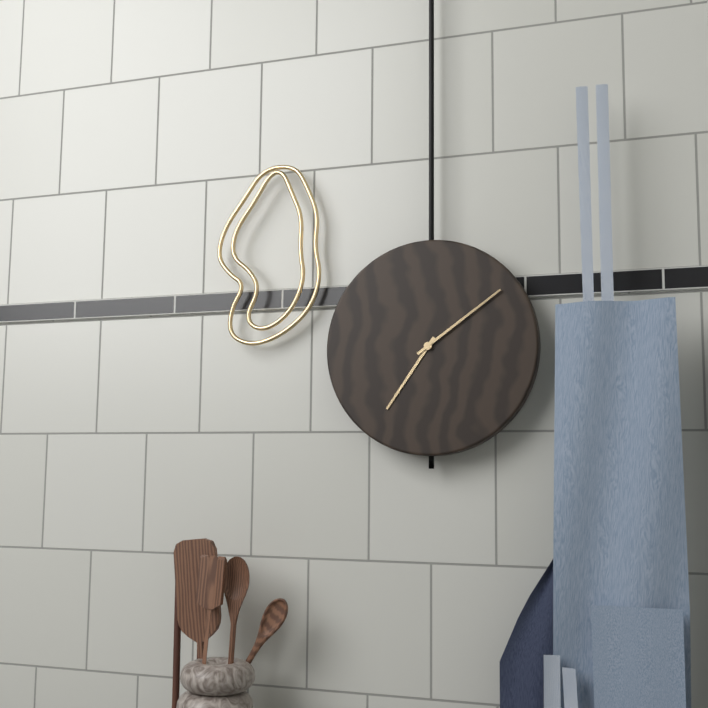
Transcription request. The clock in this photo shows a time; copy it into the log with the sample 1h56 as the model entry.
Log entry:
7h09
